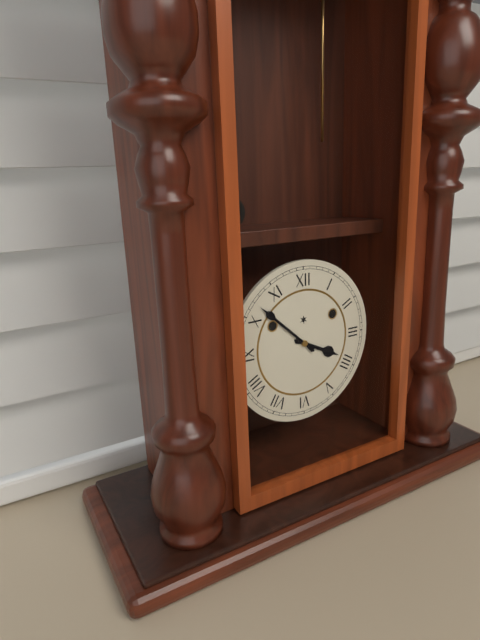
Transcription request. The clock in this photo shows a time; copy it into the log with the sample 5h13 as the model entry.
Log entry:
3h52
